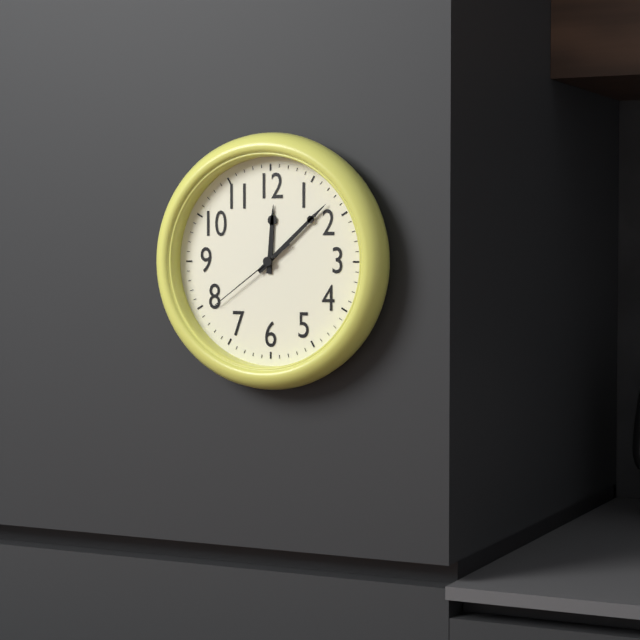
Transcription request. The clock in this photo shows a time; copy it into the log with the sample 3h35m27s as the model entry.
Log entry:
12h08m39s
